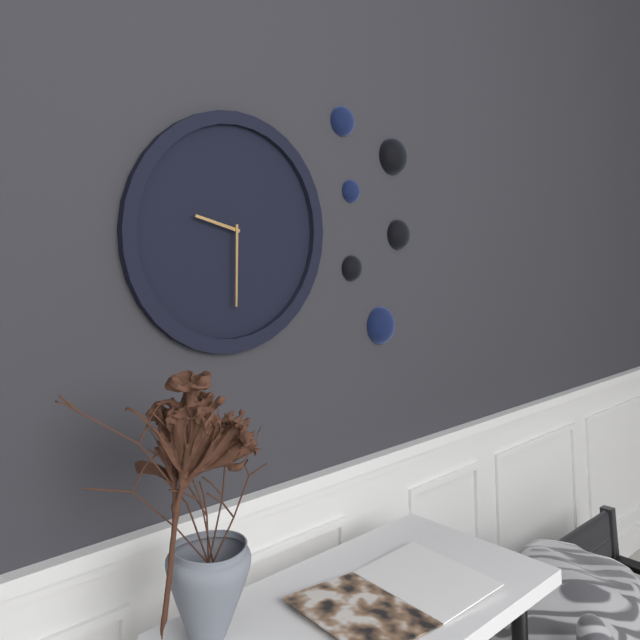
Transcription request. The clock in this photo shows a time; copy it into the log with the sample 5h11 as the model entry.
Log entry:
9h30
